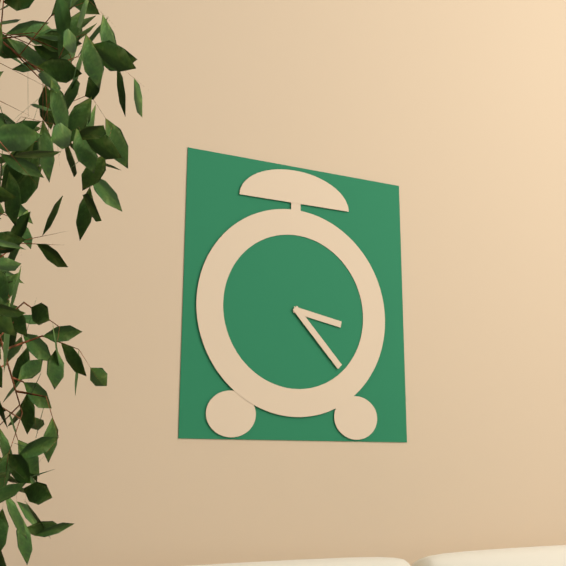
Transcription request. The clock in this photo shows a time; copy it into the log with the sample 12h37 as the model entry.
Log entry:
3h23
